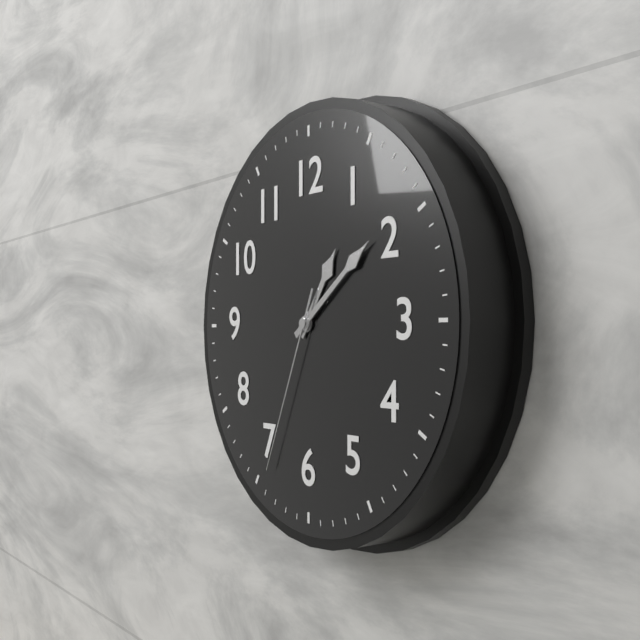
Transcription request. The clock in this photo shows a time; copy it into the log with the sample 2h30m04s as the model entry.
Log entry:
1h09m34s
